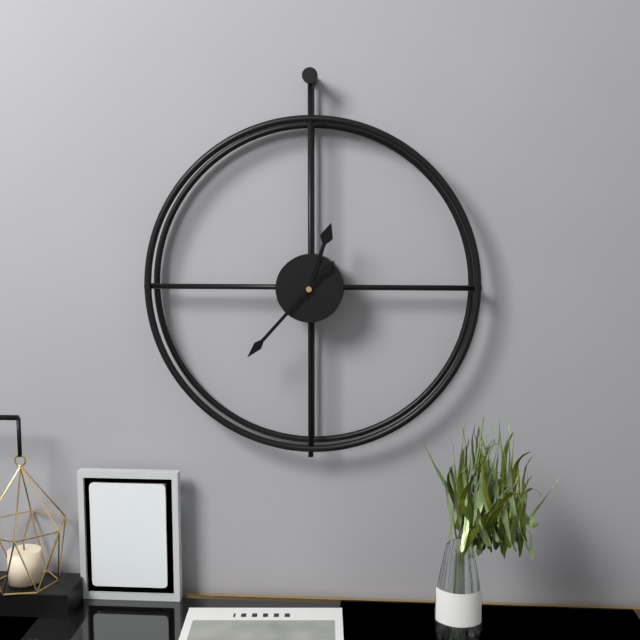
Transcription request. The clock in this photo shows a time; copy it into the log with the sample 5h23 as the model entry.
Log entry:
12h37
